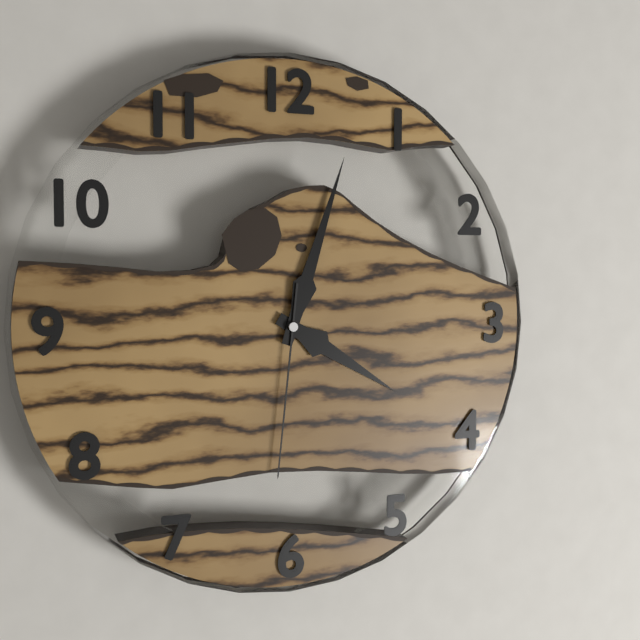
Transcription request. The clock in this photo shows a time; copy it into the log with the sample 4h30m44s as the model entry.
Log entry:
4h03m31s
